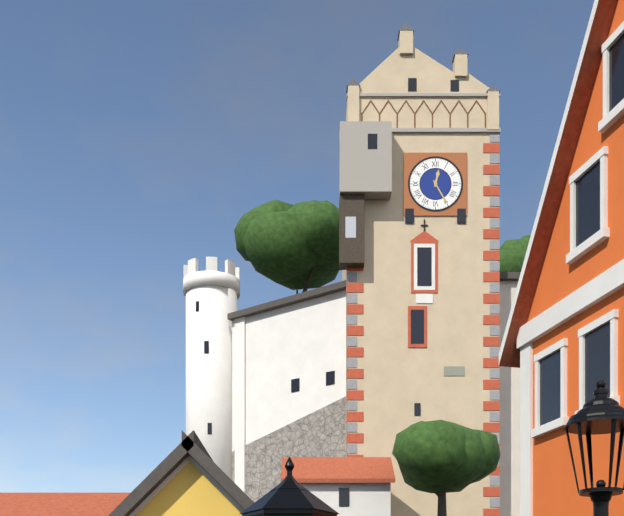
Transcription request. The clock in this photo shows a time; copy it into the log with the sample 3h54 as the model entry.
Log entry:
12h25
